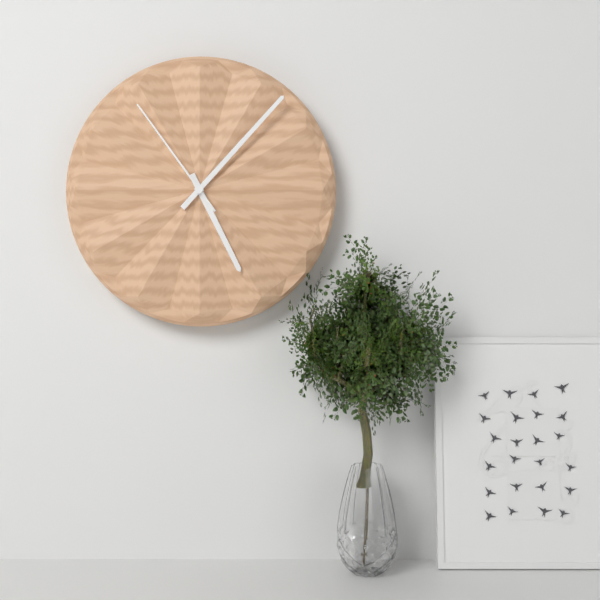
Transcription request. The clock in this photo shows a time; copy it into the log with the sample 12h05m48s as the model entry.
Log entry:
5h07m54s
